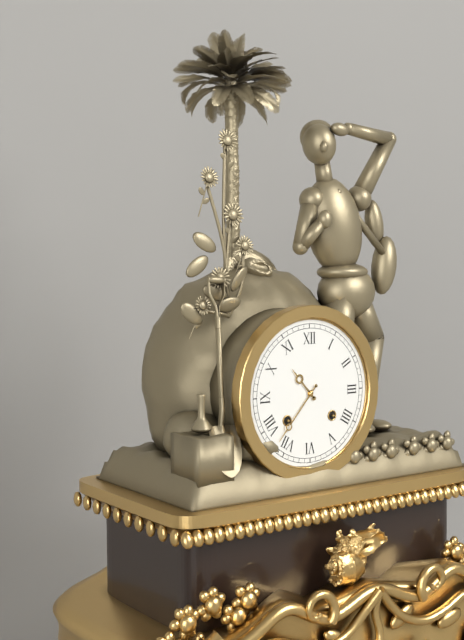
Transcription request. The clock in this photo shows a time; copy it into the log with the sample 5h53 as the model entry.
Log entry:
10h37
